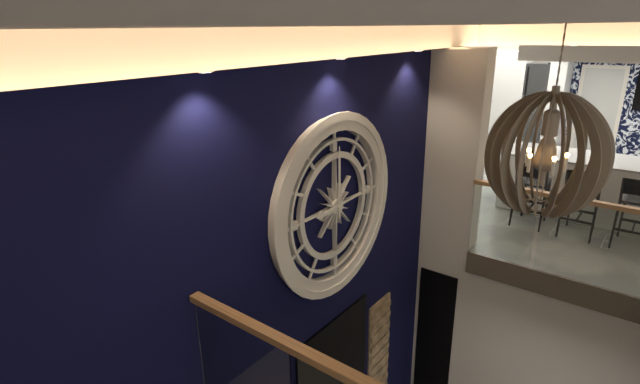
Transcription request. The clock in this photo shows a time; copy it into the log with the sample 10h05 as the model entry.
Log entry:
9h00
